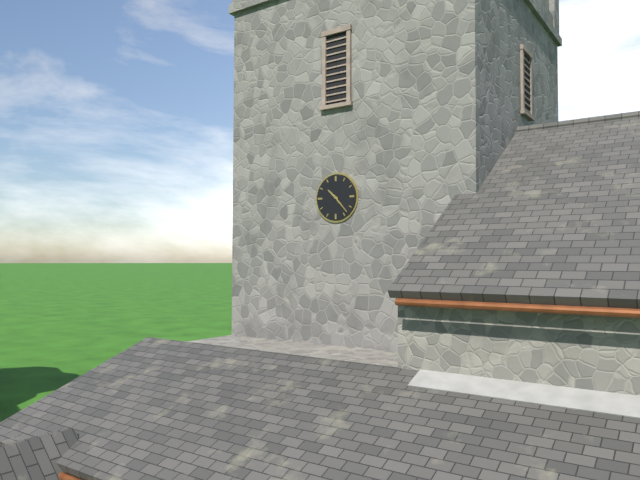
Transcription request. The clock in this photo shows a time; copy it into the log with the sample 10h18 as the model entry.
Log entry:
10h23
